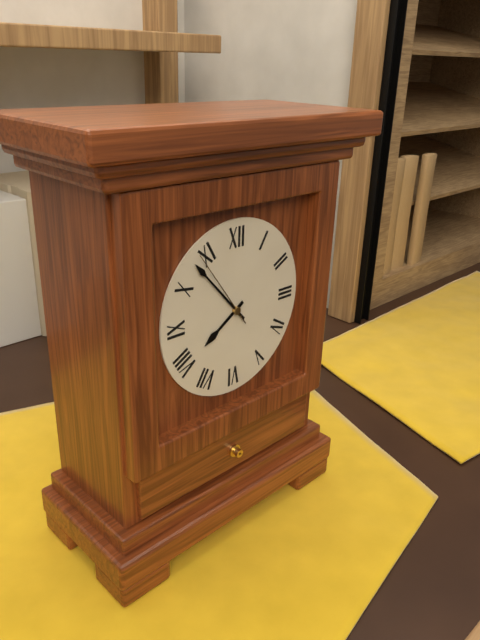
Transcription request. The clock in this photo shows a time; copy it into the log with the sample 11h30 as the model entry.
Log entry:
7h53
